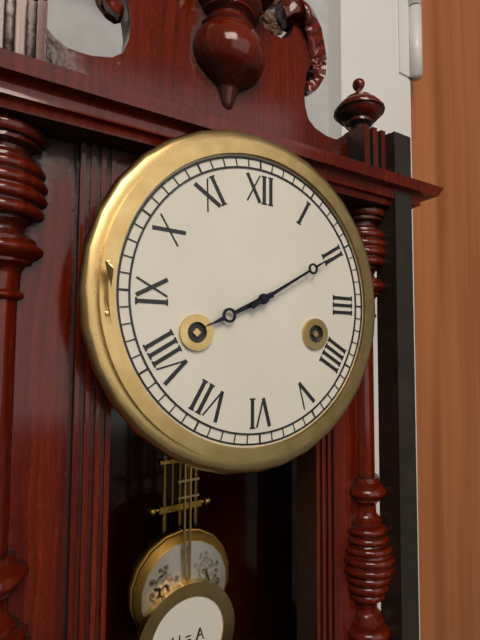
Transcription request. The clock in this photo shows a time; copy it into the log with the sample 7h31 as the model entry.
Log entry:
8h10
